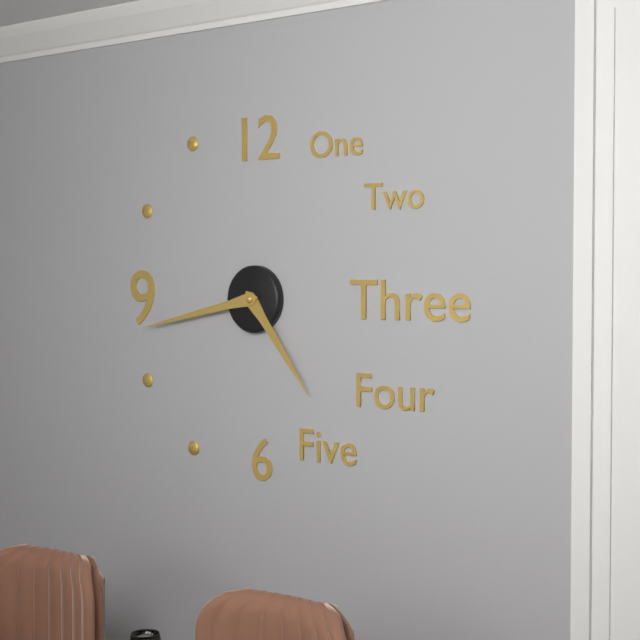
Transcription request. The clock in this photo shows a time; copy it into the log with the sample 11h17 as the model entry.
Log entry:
4h43
